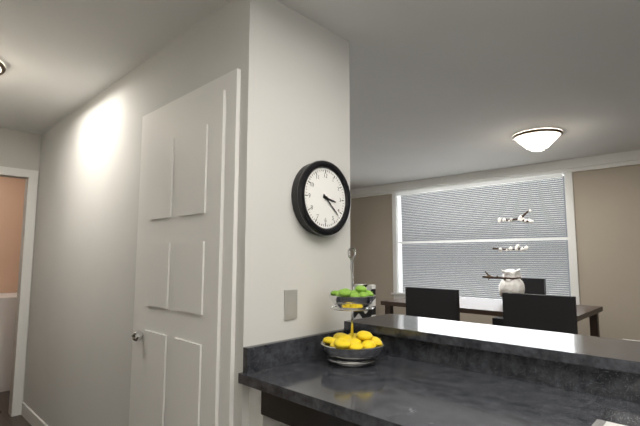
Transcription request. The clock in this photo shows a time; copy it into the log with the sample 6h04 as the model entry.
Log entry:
3h22
